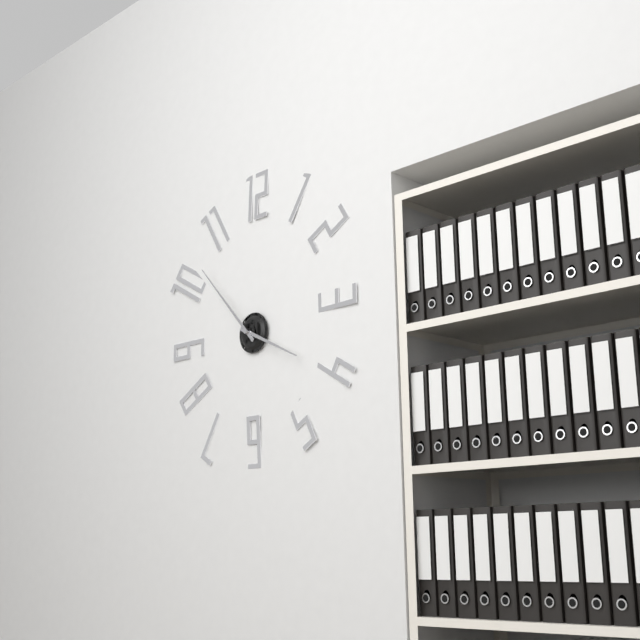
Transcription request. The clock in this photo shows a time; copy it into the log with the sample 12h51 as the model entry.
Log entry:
3h53
